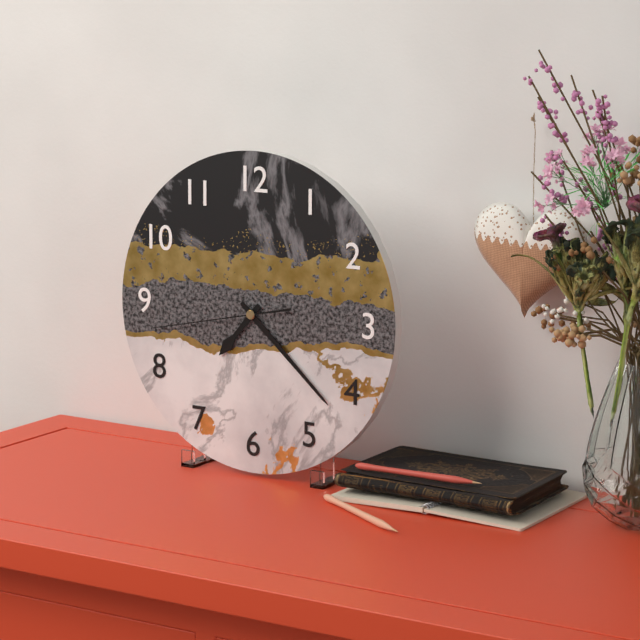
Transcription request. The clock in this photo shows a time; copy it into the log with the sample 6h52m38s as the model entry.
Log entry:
7h22m43s
